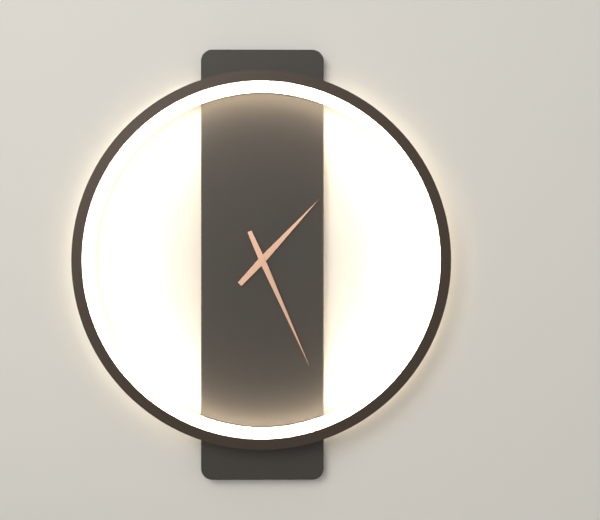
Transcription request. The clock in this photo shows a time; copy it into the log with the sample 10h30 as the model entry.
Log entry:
1h26
